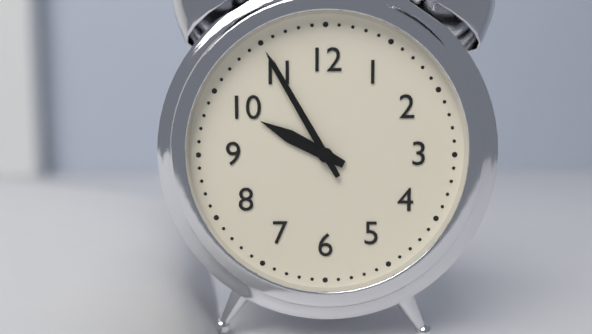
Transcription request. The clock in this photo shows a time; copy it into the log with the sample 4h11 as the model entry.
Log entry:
9h55
